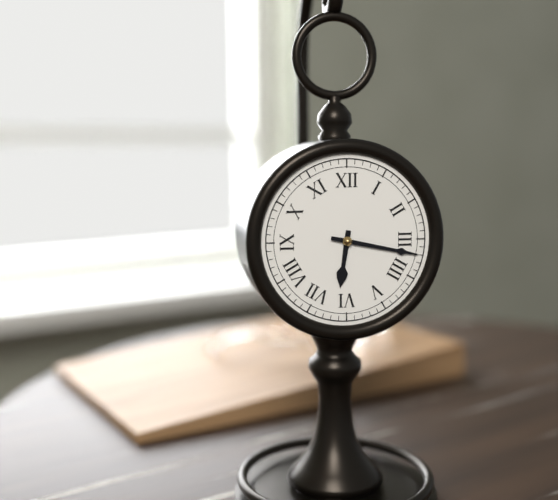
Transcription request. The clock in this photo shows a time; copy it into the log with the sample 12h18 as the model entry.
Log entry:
6h17
